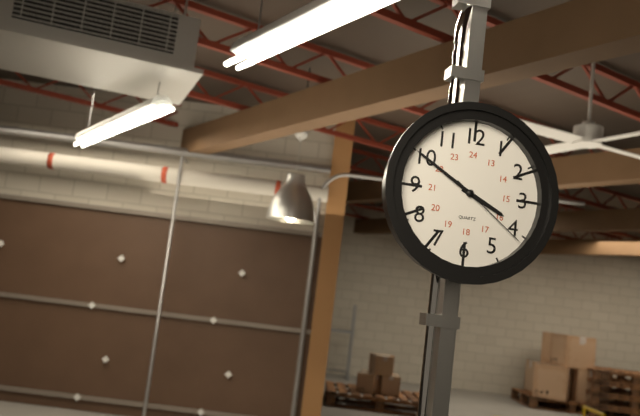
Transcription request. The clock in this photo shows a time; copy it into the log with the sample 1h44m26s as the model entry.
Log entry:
3h50m21s
